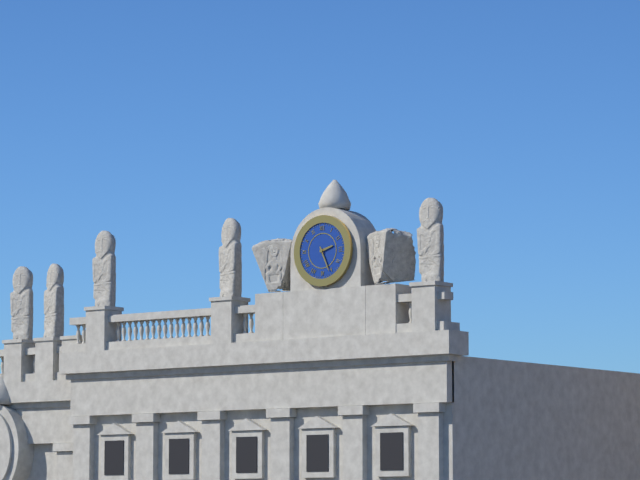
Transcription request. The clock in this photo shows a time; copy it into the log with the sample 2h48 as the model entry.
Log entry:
2h26
